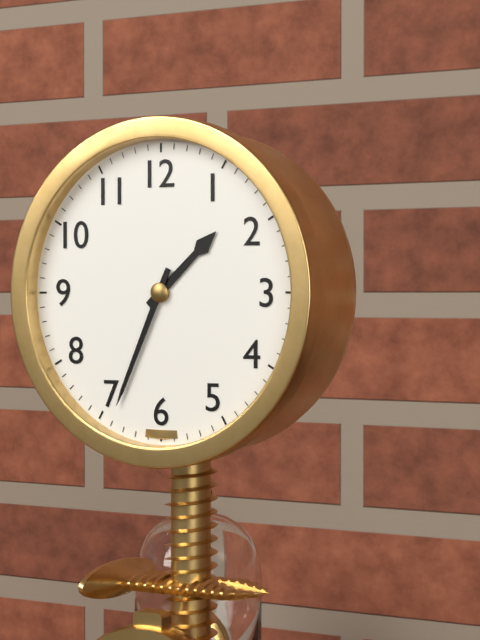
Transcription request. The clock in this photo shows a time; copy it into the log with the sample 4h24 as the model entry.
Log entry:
1h34
